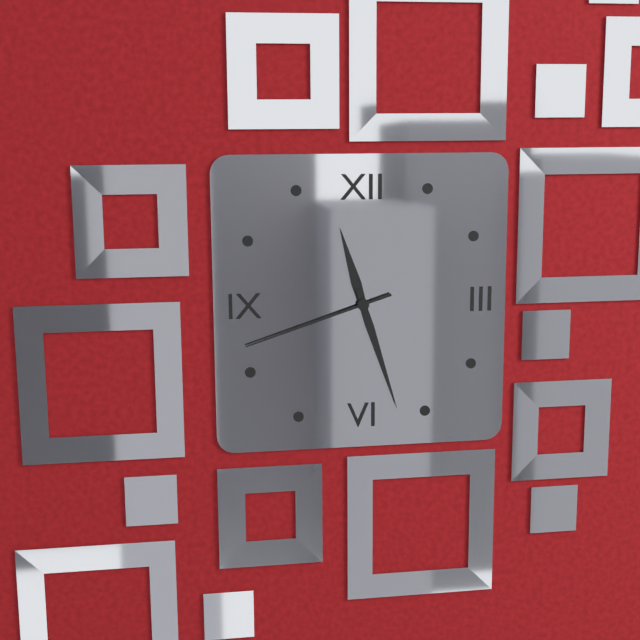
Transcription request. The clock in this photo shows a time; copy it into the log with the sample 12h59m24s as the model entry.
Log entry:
11h27m42s
